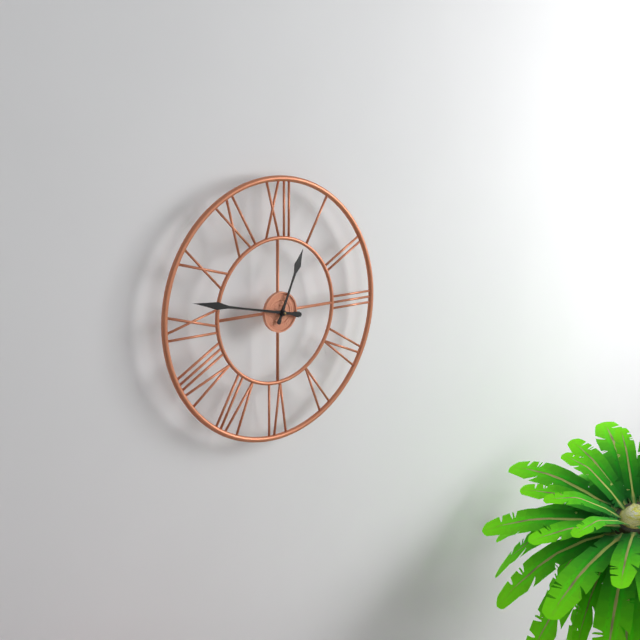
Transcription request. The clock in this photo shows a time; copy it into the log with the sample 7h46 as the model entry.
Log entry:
12h47
